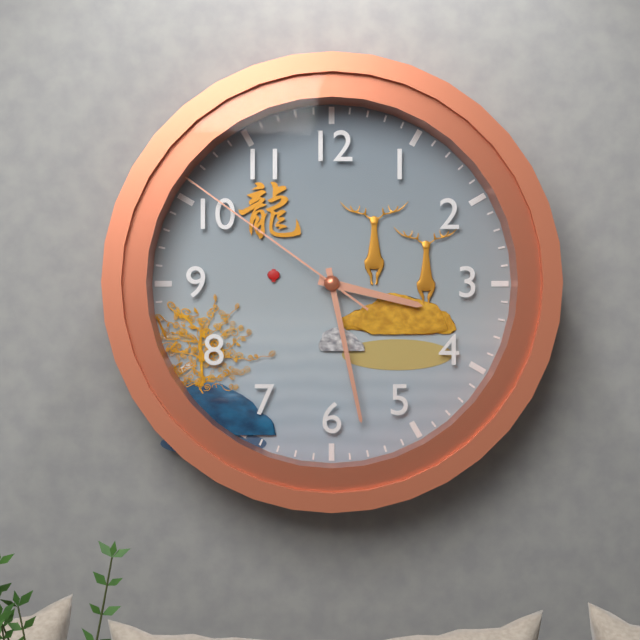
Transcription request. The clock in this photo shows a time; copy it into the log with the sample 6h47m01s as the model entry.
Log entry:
3h28m51s
